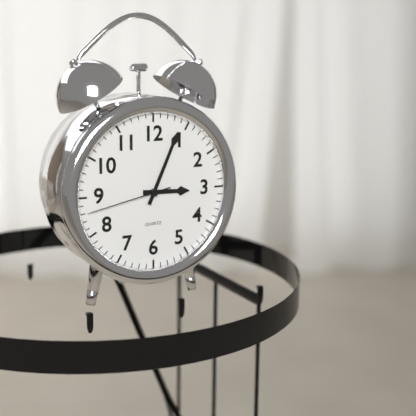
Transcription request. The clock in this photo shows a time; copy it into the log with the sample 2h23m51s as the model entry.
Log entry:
3h04m43s
